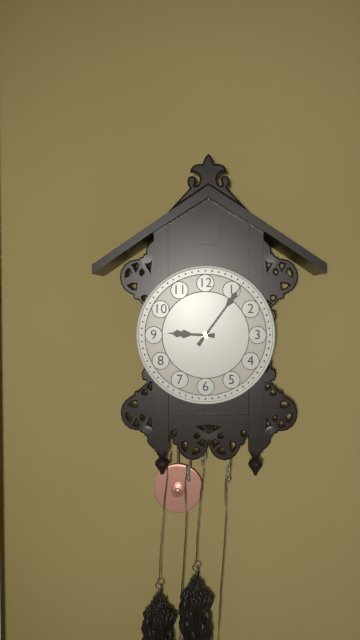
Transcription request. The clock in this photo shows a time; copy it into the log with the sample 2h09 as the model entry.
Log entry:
9h06
